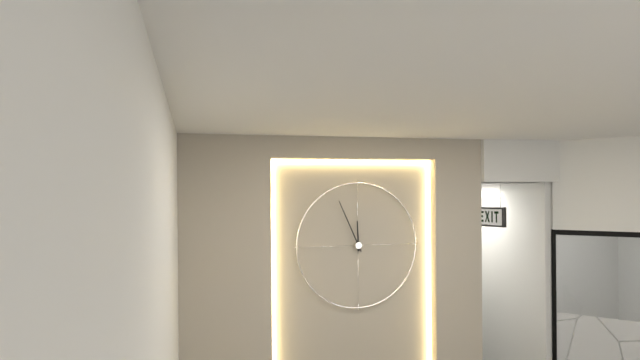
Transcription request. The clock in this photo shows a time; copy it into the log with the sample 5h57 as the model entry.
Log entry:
11h56
